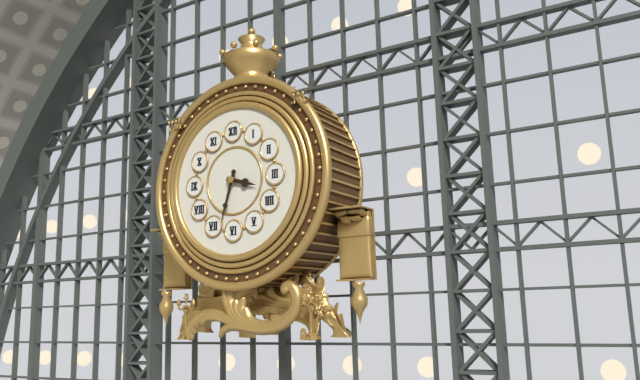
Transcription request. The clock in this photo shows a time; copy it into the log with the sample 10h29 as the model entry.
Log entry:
3h33
